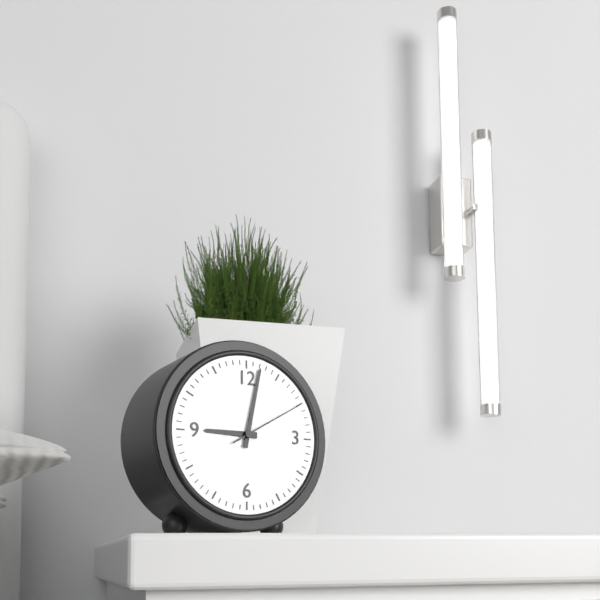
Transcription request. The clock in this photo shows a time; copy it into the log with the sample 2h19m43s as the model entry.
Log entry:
9h02m10s
